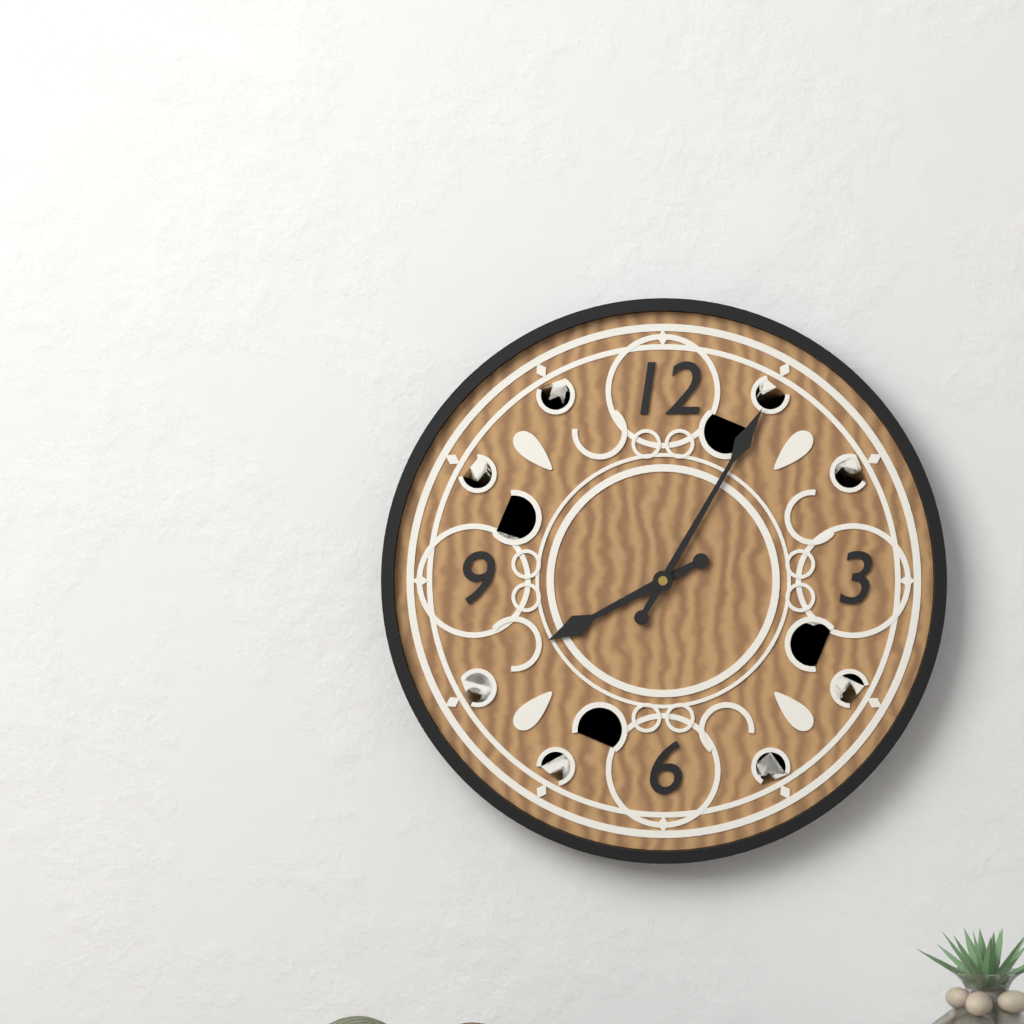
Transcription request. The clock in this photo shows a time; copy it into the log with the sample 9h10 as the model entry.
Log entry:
8h05
